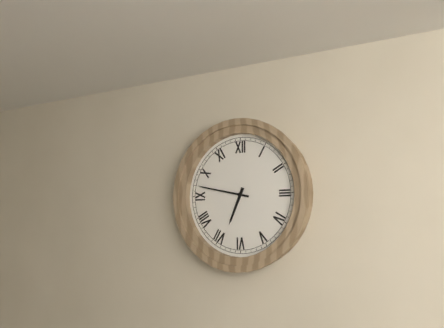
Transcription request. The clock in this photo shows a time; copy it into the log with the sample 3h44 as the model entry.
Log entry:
6h47
